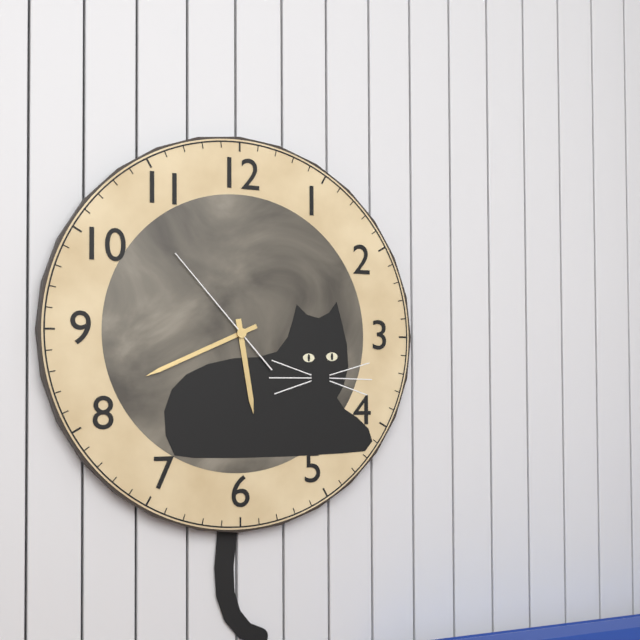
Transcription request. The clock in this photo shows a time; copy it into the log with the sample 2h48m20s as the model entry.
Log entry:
5h41m53s
